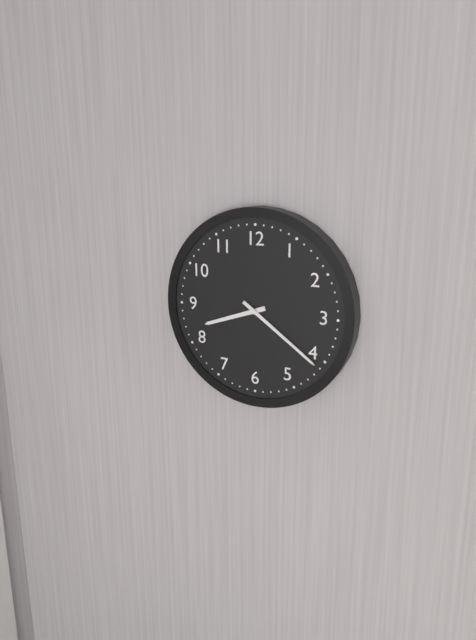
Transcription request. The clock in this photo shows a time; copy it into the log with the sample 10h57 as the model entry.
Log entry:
8h21
